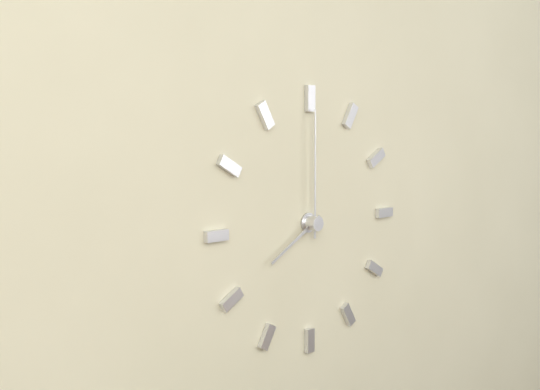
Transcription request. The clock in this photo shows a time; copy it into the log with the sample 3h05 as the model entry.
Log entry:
8h00
